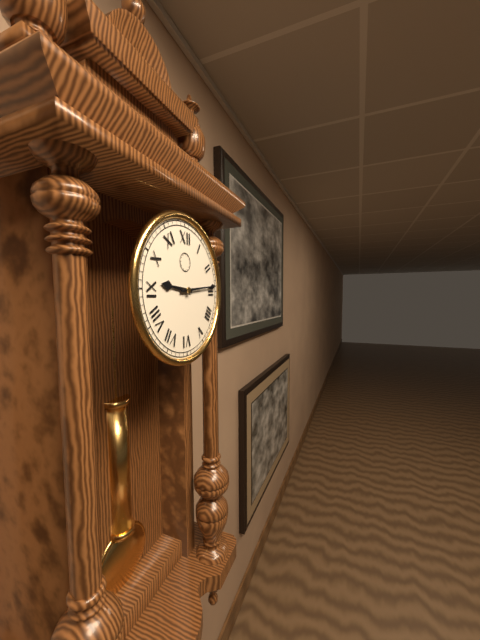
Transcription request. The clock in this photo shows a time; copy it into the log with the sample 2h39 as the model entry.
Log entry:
9h14
